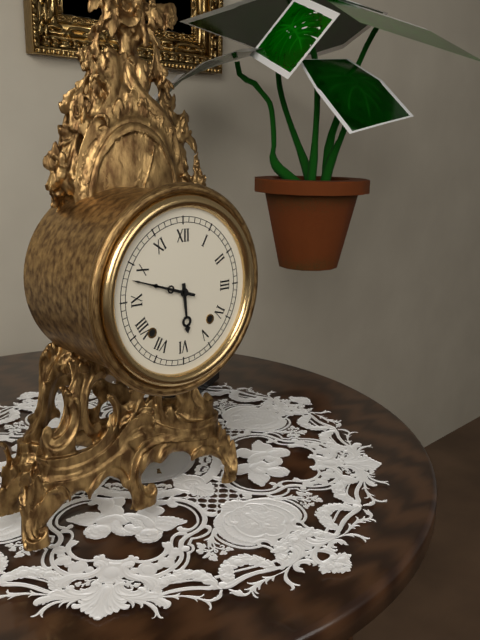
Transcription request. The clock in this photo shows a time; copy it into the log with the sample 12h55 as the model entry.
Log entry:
5h48
